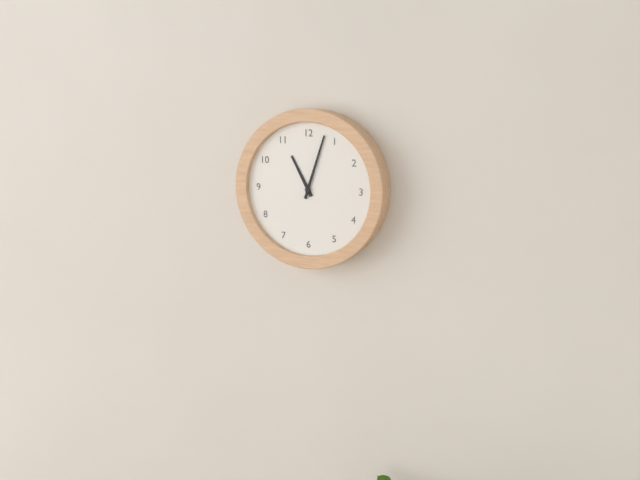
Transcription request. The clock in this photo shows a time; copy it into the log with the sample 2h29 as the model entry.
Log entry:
11h03
